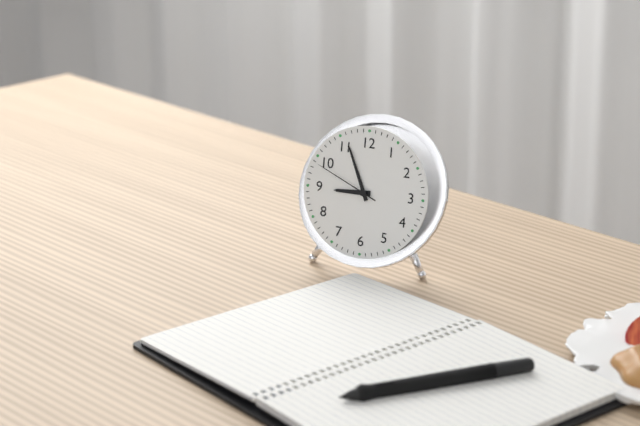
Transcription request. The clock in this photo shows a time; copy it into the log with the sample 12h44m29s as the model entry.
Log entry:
8h56m49s
